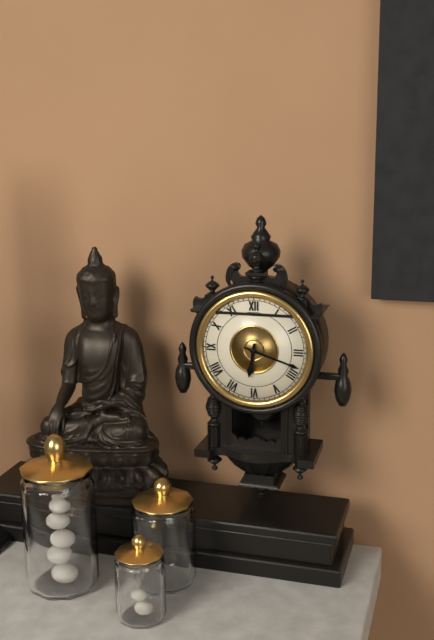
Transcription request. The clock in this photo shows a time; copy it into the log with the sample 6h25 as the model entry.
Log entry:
6h18
